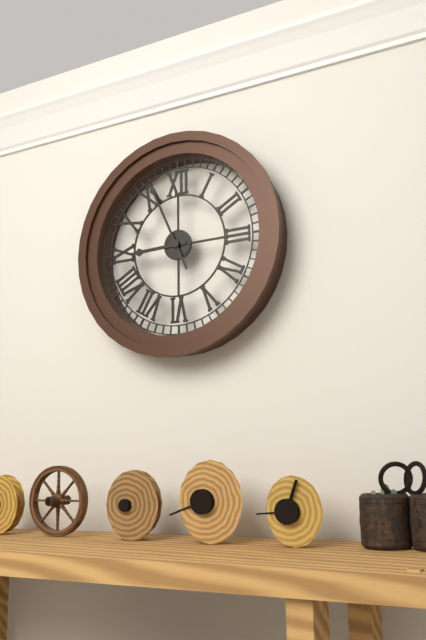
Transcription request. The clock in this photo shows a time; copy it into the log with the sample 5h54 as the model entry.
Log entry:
8h56
